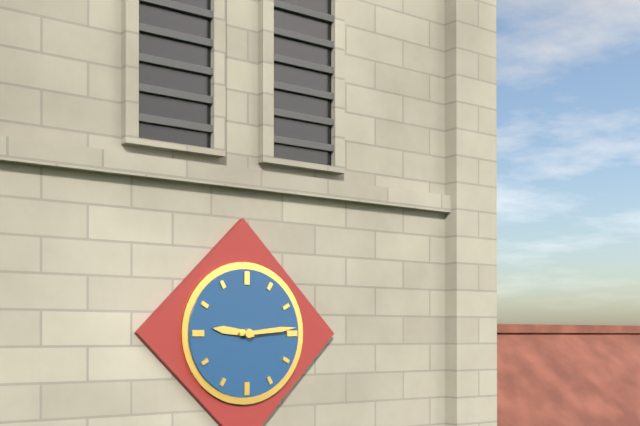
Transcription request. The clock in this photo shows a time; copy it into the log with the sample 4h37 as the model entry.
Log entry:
9h14
